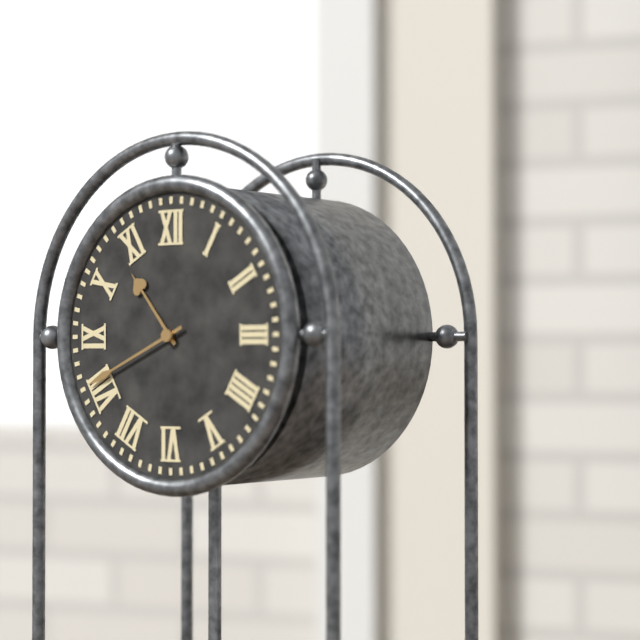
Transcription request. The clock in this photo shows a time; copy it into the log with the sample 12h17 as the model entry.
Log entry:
10h41
